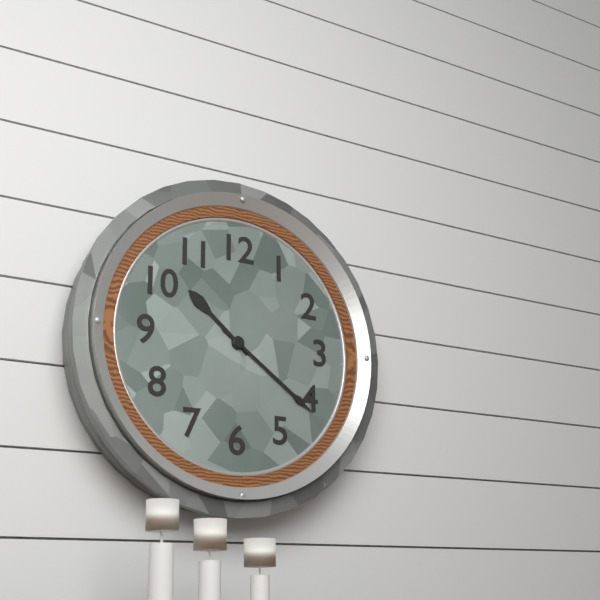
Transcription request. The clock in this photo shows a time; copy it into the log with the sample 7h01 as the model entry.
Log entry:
10h21
